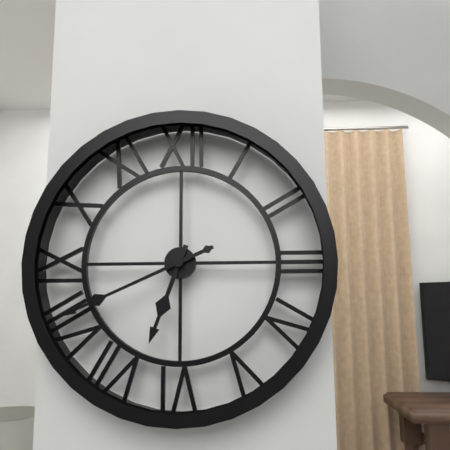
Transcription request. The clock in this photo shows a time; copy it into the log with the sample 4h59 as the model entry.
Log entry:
6h41
